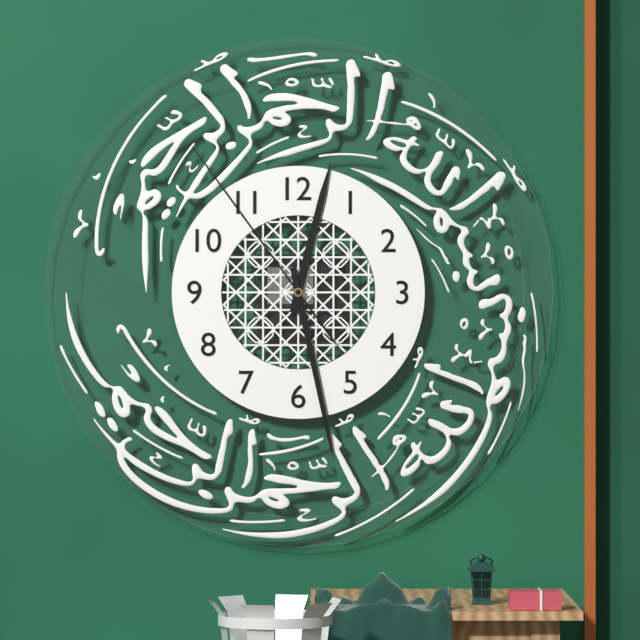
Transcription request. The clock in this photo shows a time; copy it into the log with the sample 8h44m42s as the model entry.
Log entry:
12h28m54s
